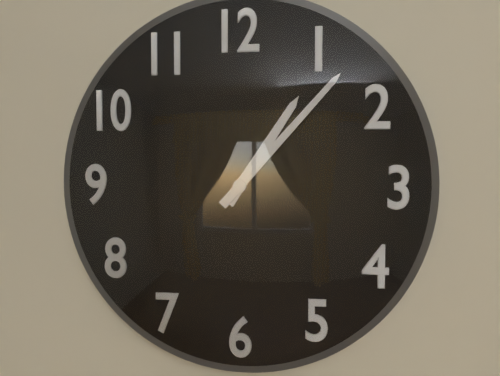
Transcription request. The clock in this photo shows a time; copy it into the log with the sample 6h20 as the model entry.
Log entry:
1h07
